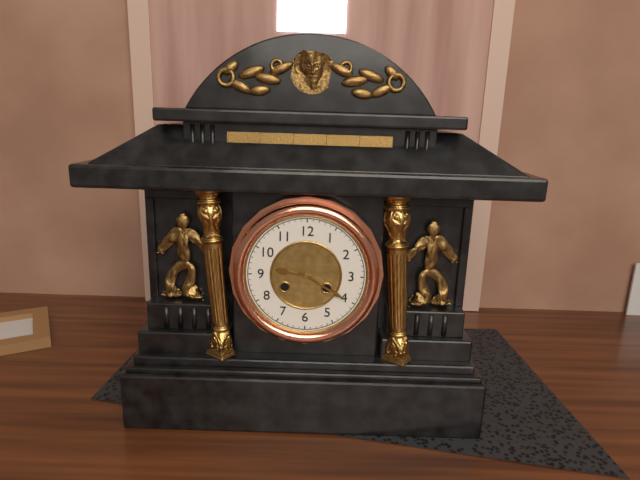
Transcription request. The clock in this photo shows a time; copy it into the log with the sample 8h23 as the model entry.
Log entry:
9h20
